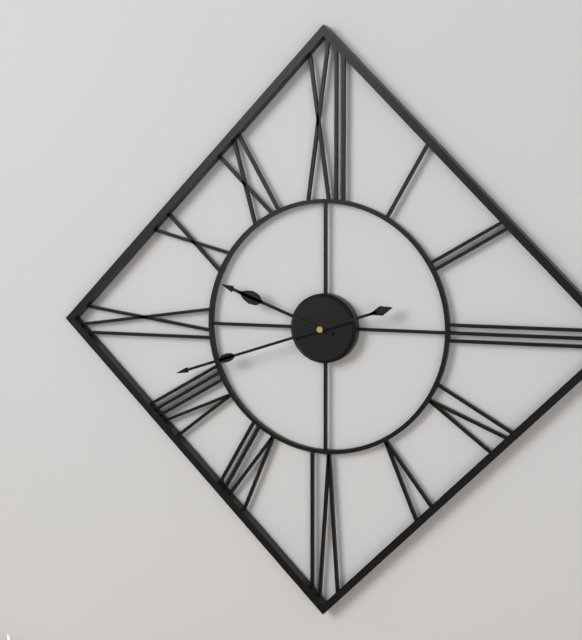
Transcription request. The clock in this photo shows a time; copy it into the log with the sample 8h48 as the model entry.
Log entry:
9h42
